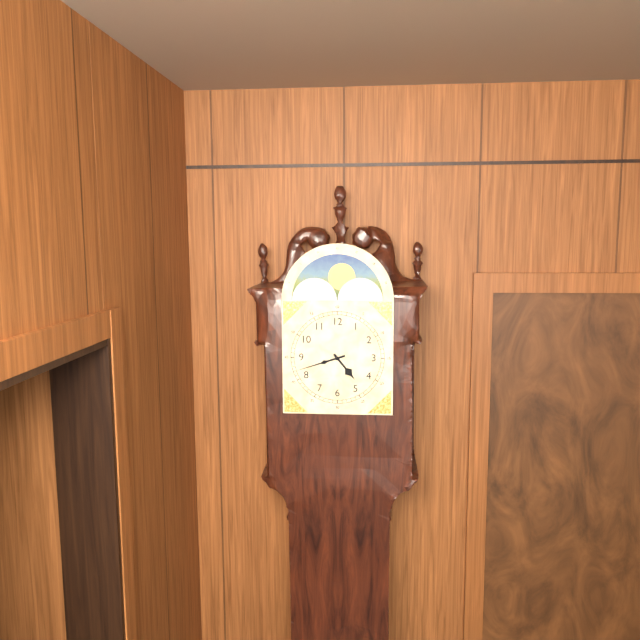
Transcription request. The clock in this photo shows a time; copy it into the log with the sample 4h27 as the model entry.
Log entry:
4h42
